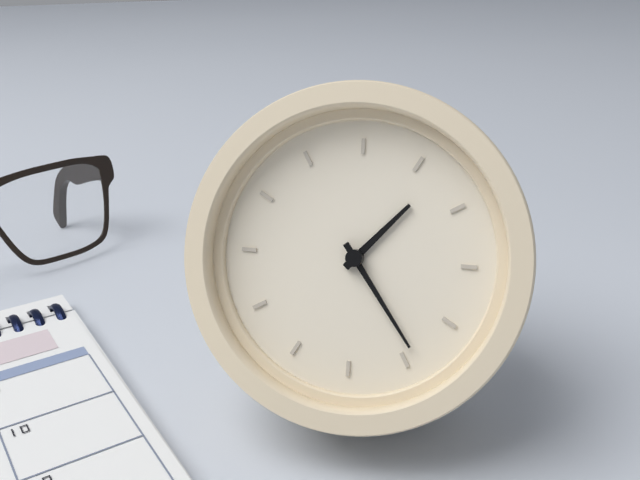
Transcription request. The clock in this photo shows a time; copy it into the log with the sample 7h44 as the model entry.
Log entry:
1h24
